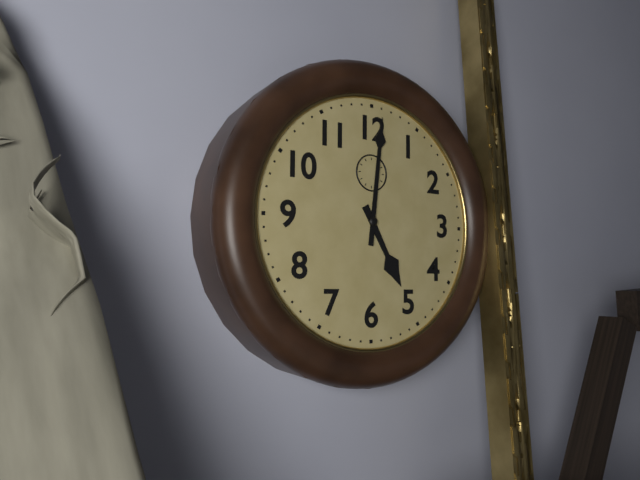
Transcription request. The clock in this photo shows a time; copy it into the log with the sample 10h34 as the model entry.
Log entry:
5h01
